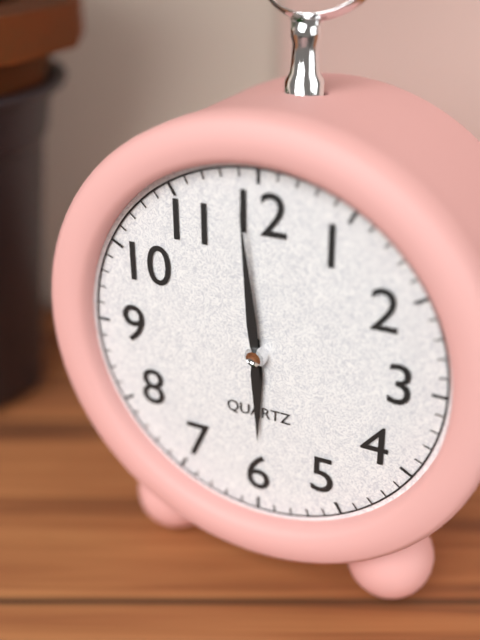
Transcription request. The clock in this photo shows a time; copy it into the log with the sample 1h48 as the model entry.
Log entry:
5h59
